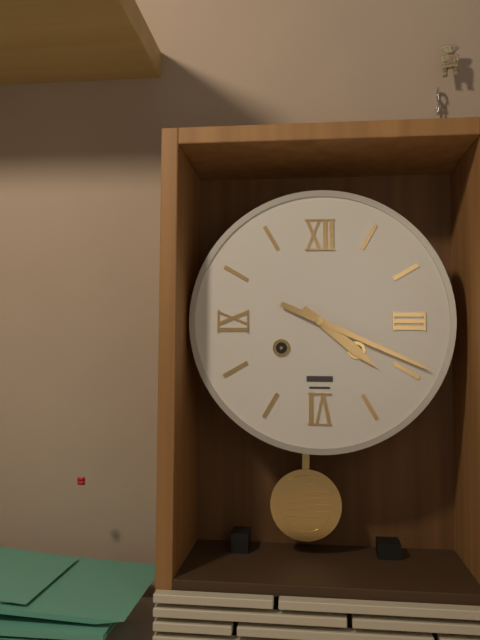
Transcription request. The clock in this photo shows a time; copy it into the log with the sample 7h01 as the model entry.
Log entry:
4h19
